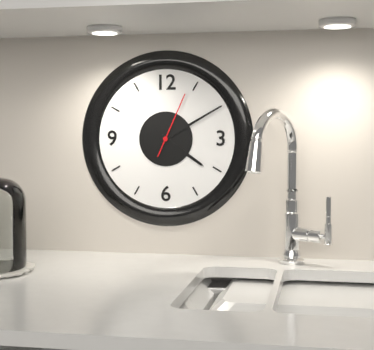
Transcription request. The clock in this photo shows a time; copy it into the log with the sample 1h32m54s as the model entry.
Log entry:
4h10m04s
